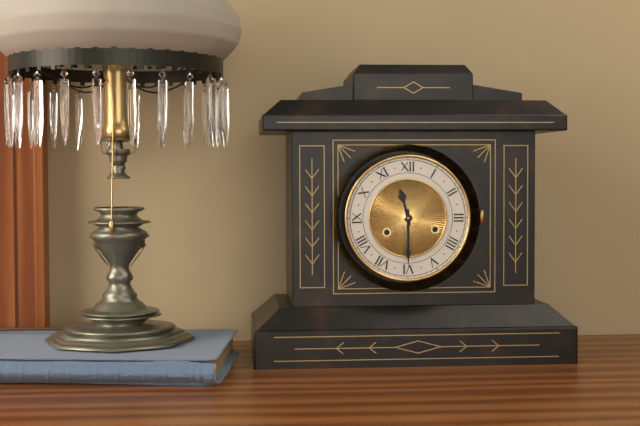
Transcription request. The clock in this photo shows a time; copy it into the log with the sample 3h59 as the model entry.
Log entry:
11h30
